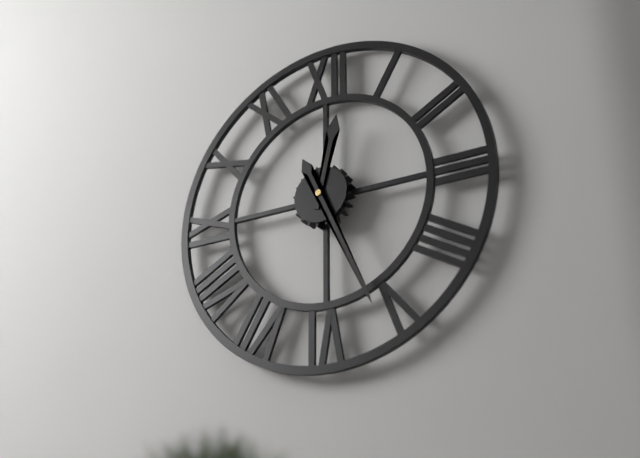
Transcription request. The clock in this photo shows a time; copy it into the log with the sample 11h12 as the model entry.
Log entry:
12h26
